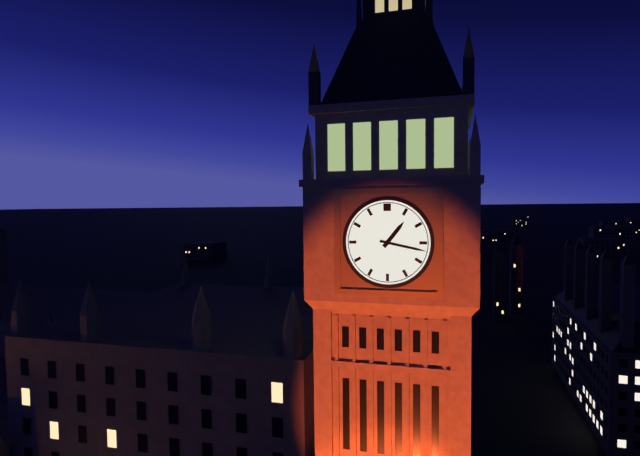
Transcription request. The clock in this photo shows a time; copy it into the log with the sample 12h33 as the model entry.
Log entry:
1h17
